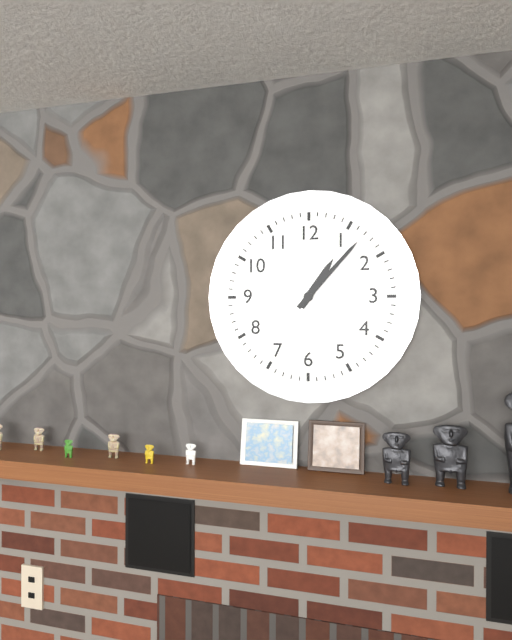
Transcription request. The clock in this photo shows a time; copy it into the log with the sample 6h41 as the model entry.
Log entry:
1h07
